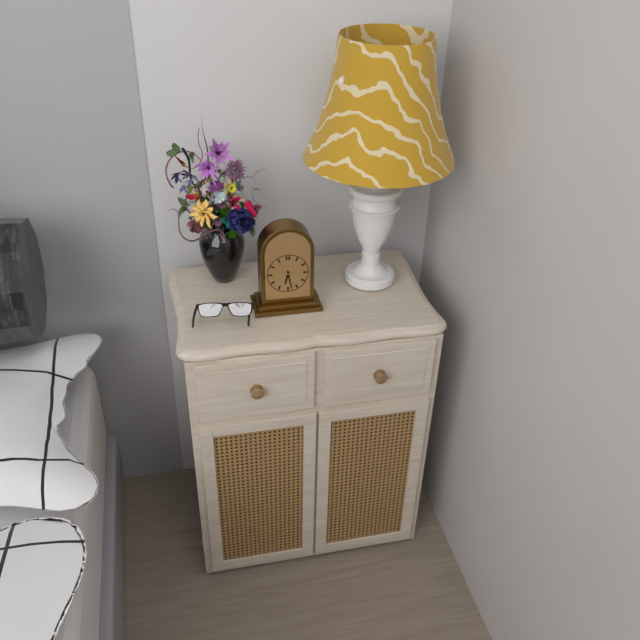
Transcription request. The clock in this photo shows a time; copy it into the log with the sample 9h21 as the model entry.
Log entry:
6h28
